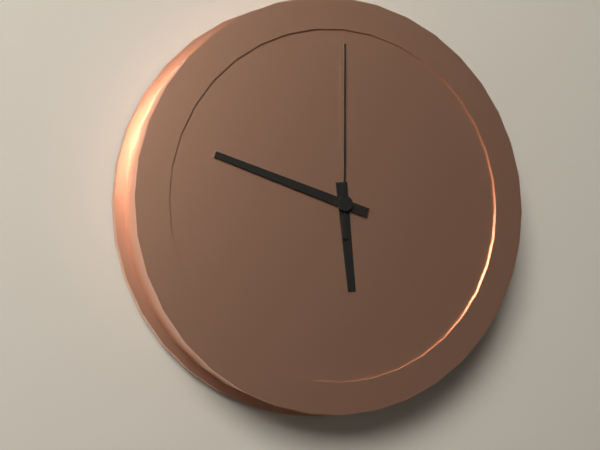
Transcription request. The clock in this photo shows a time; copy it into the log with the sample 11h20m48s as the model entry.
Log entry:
5h48m00s
